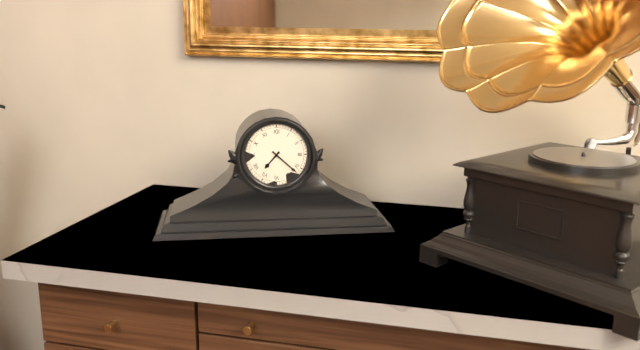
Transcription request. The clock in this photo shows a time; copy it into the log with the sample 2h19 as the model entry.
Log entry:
7h22
